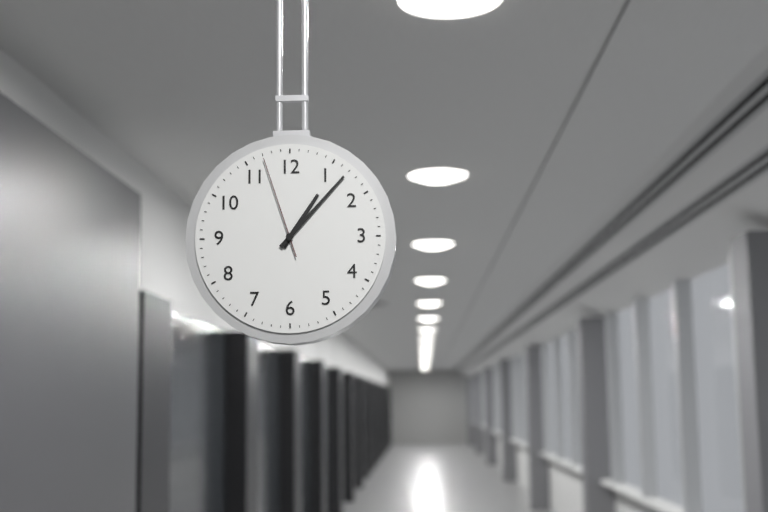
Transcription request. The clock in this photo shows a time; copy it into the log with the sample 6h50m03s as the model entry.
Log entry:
1h07m57s
